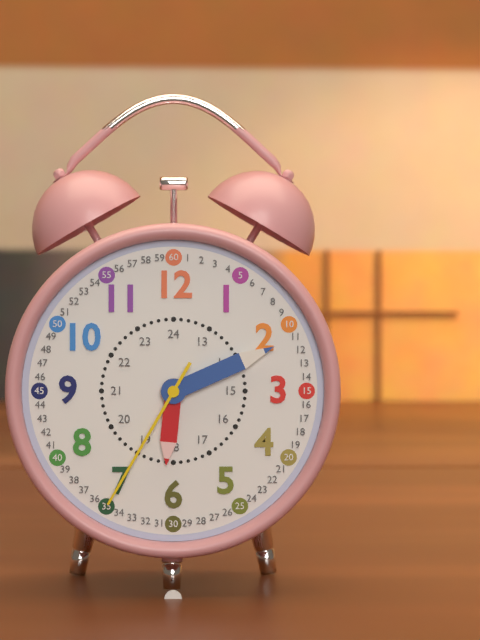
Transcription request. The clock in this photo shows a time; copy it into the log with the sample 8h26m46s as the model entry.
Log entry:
6h11m35s
